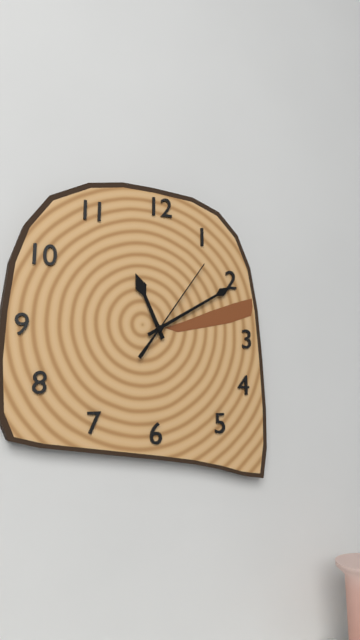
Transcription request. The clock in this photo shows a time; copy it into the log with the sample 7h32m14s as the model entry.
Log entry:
11h10m06s
